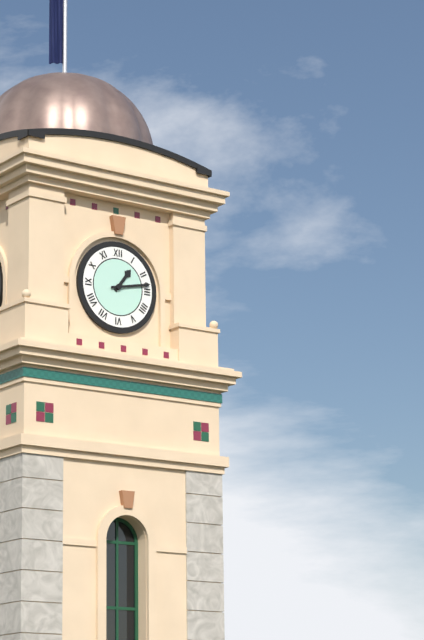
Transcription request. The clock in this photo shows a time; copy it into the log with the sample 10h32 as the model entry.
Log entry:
1h13
